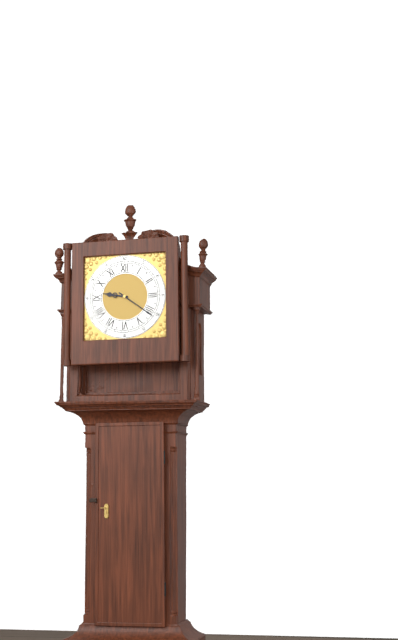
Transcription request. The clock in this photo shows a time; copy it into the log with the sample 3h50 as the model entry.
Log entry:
9h21
